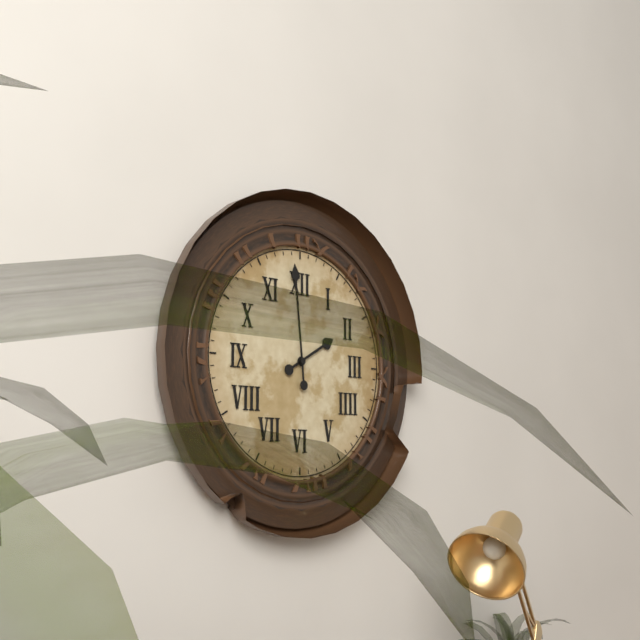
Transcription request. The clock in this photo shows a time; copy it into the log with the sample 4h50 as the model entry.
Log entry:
1h59
